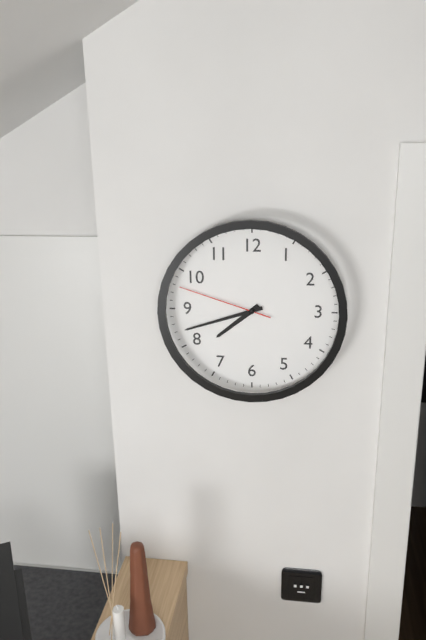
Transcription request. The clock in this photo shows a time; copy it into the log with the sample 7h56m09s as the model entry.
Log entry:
7h42m48s
